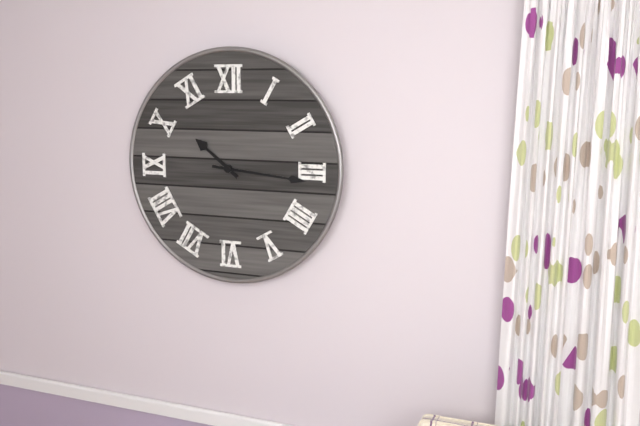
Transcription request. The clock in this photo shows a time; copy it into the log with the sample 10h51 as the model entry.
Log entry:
10h16
